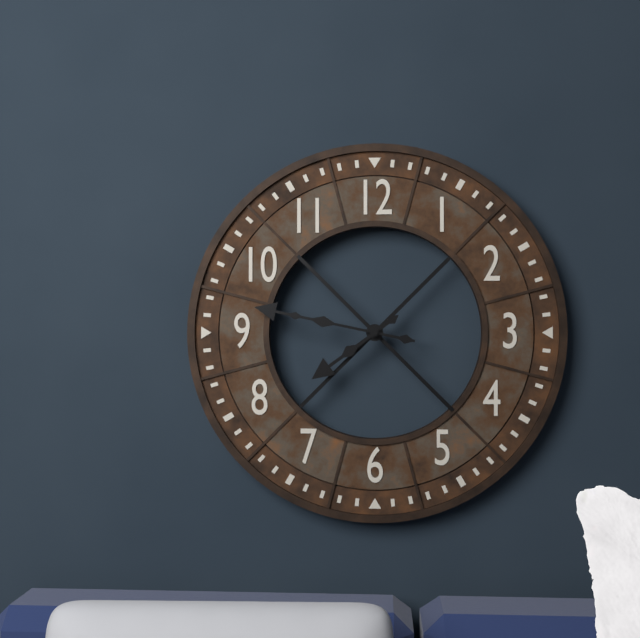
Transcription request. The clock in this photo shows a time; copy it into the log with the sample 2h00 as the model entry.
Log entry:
7h47
